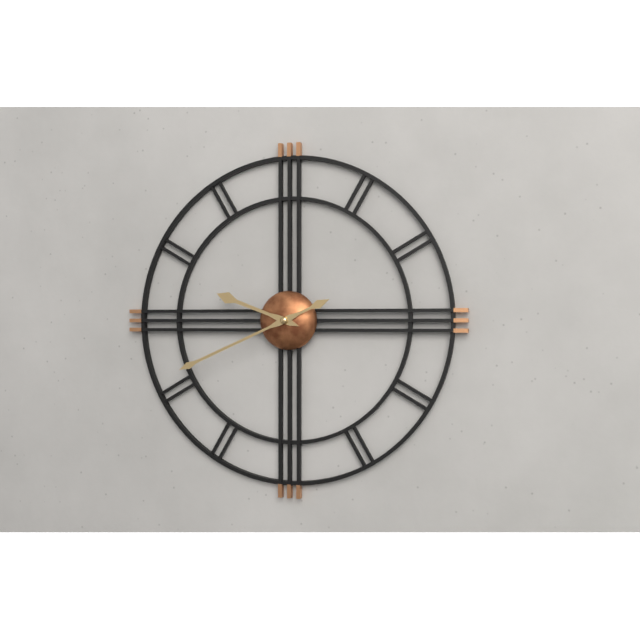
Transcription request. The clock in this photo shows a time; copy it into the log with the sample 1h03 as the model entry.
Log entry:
9h41
